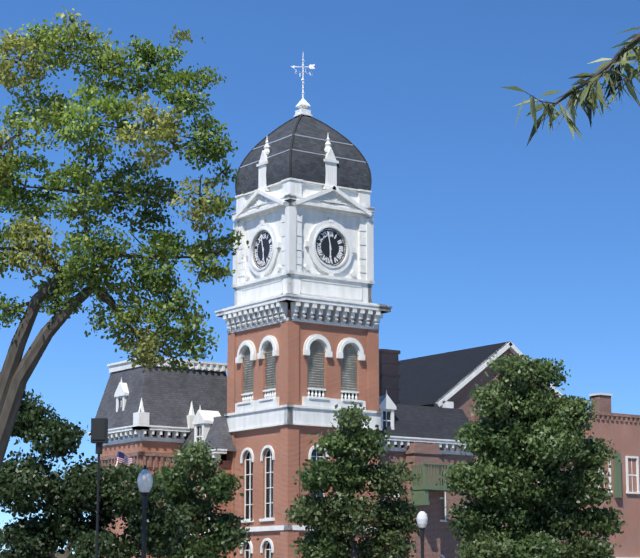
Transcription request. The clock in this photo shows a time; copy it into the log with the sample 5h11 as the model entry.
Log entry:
5h58
